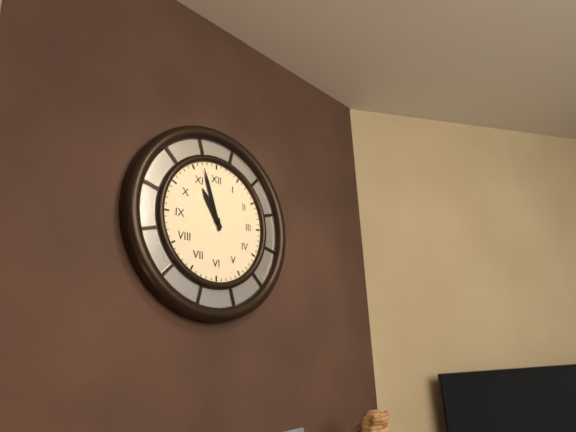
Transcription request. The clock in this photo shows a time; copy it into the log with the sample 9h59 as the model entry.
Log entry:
10h57
